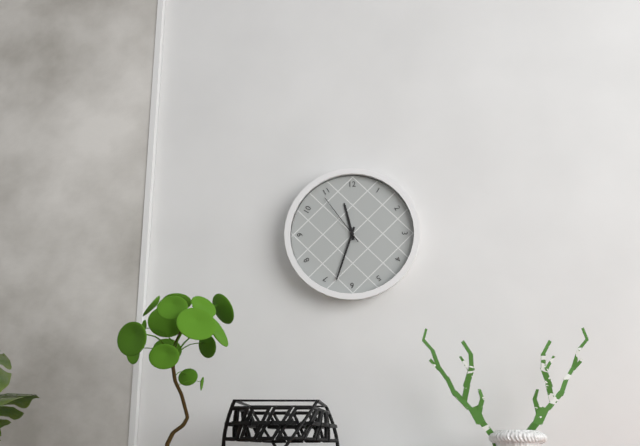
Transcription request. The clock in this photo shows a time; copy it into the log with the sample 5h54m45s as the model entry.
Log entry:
11h33m54s
